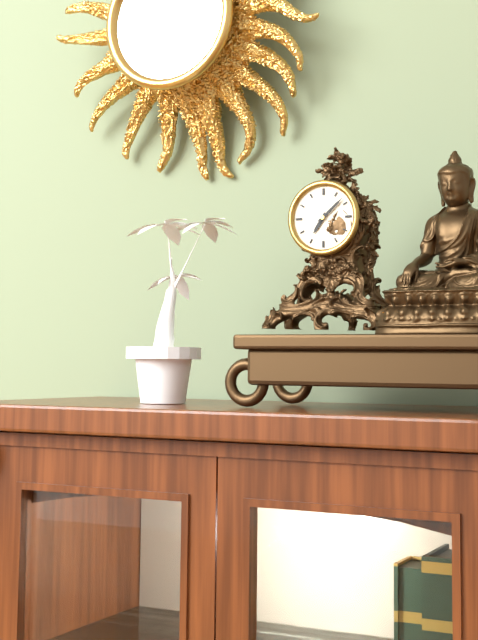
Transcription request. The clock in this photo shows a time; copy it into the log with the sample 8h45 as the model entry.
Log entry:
7h08
